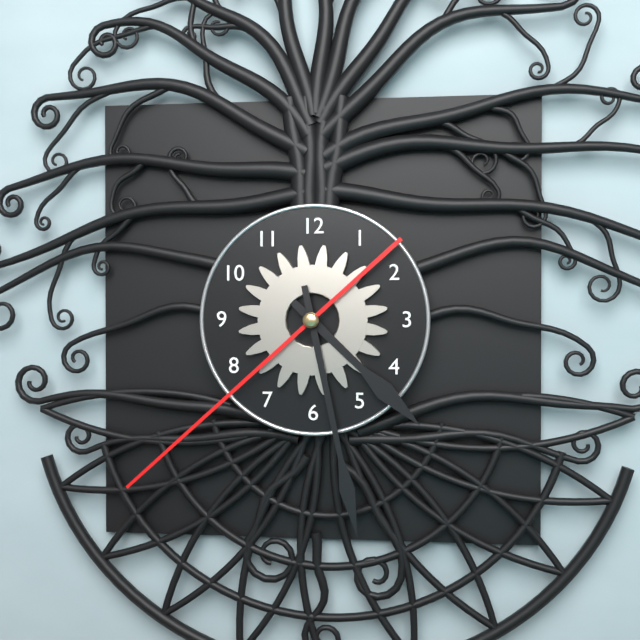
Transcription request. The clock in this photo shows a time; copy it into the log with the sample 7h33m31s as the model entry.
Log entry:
4h28m38s
